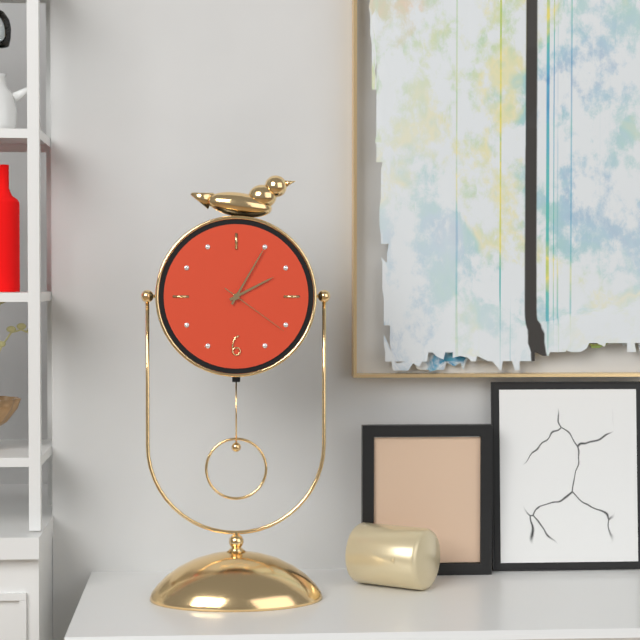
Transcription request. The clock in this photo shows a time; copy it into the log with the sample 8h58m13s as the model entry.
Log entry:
2h05m21s
